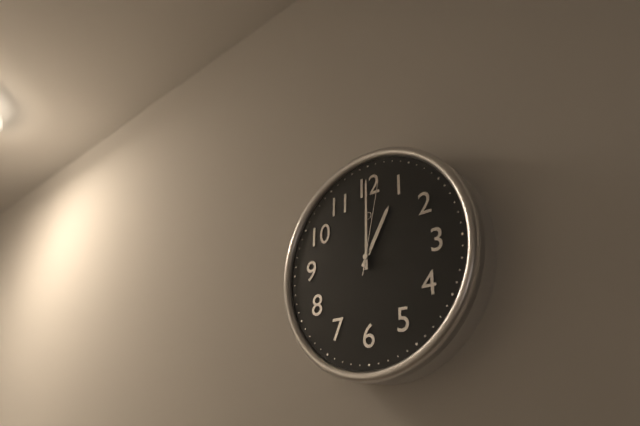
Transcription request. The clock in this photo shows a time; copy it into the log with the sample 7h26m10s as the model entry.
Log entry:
1h00m02s
